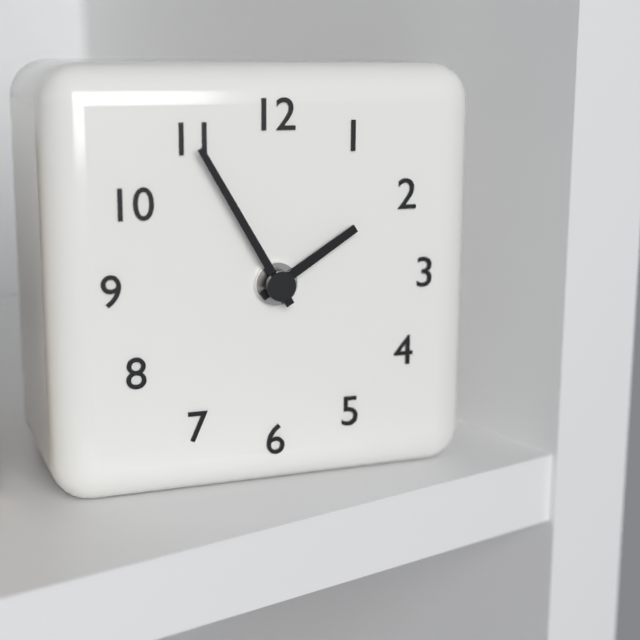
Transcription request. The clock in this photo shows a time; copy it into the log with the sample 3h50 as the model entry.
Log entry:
1h55
